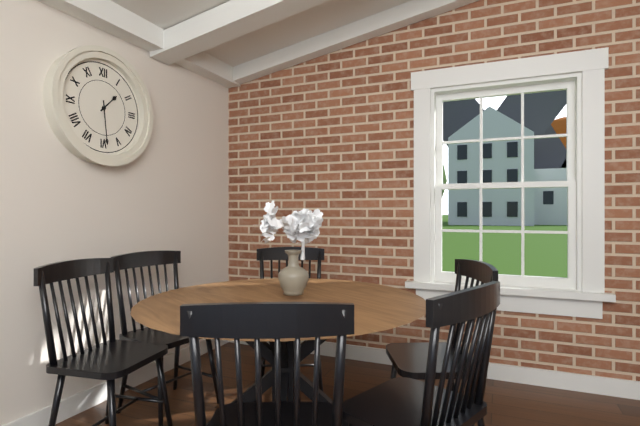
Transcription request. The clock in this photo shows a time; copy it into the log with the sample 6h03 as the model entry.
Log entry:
1h29
